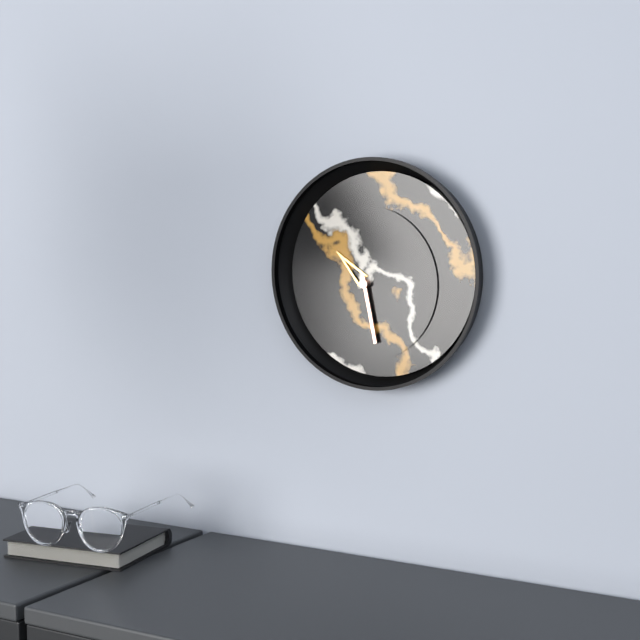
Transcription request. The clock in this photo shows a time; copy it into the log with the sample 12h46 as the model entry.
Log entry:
10h28
